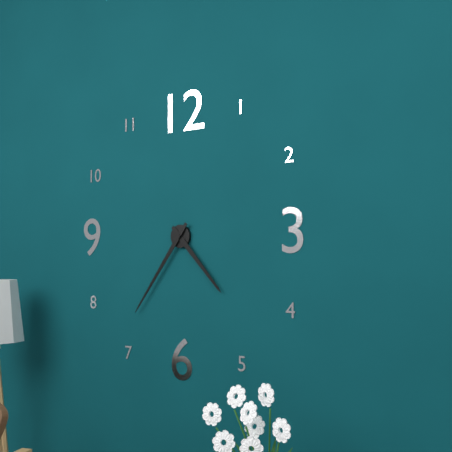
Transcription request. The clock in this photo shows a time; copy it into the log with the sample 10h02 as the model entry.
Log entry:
4h36
